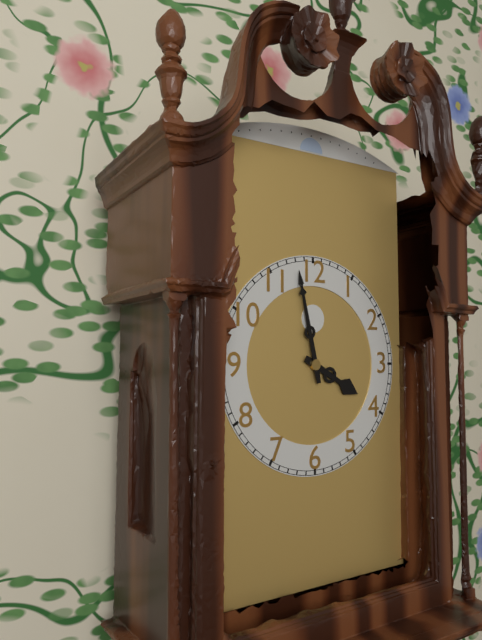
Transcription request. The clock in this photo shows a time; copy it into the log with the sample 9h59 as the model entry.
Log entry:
3h58
